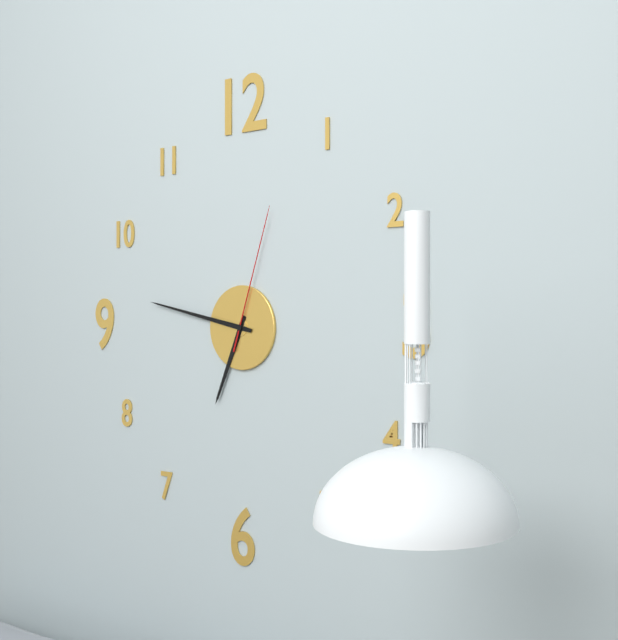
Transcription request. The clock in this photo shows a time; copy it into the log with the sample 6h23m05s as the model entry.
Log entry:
6h47m03s
